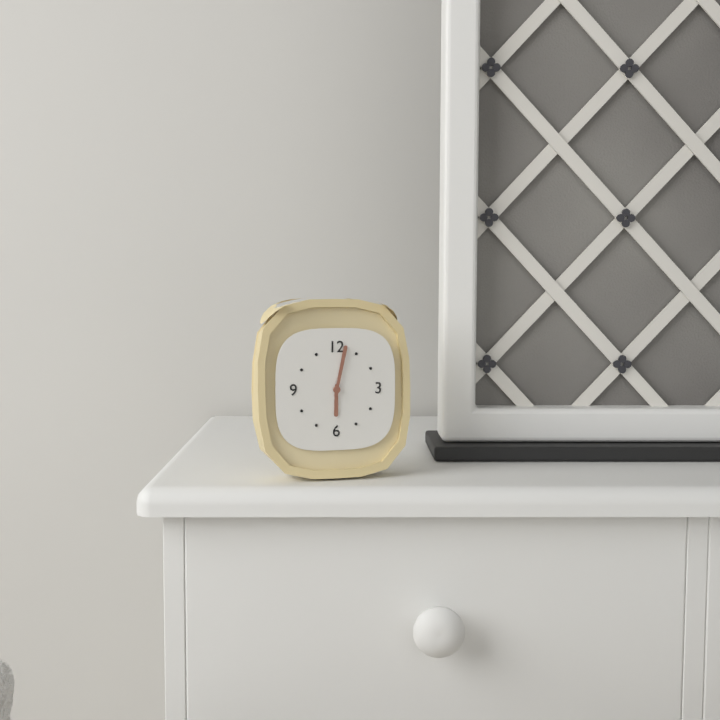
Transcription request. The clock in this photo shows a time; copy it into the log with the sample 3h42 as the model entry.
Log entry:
6h02
